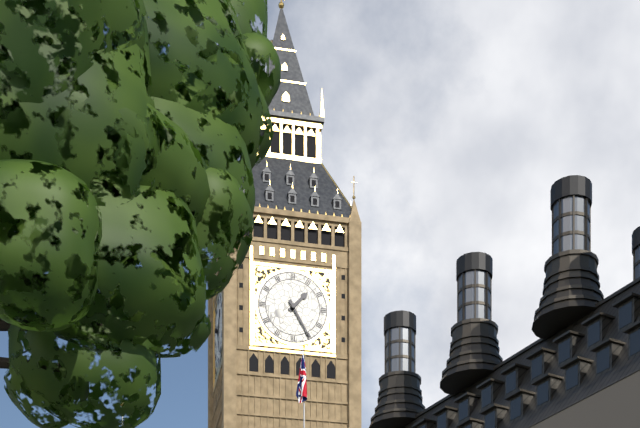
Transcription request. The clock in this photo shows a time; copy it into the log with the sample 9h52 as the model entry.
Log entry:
1h25
